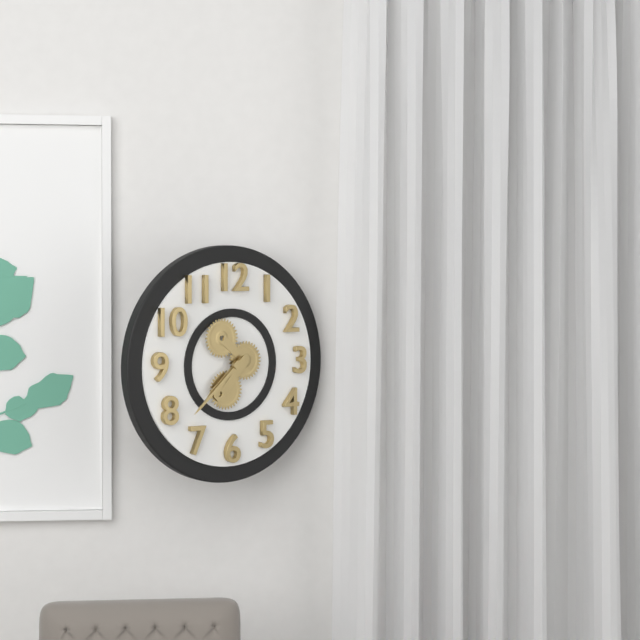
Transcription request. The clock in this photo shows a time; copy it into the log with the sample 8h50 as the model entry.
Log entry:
7h38
